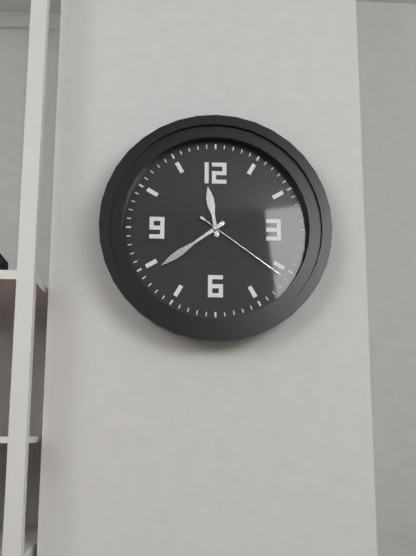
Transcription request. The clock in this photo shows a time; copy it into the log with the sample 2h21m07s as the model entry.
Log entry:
11h39m21s
